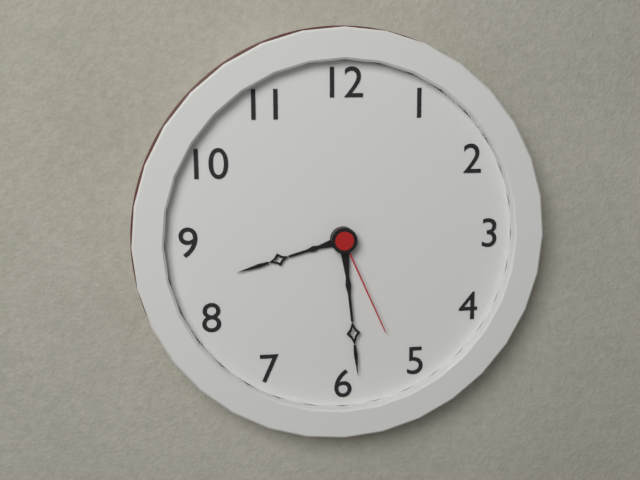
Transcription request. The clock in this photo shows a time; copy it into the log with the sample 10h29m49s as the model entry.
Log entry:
8h29m26s
